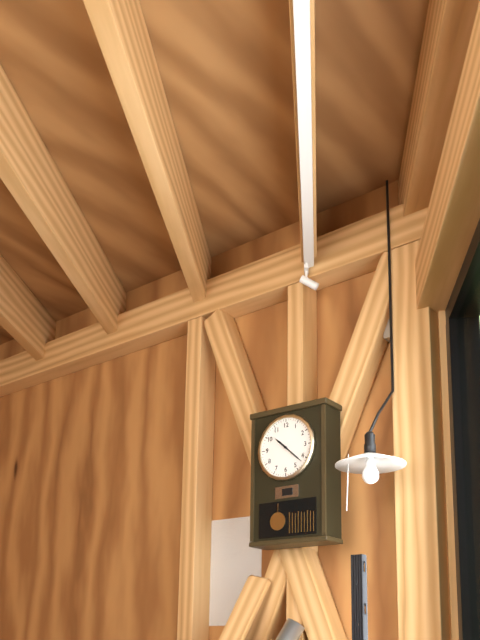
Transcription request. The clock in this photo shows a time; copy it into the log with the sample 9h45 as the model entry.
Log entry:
10h22
